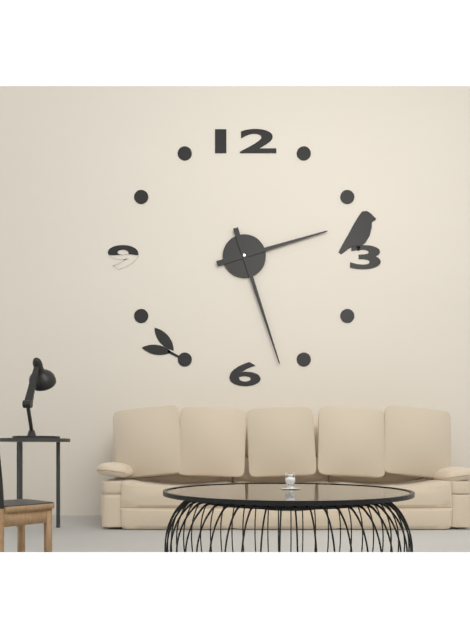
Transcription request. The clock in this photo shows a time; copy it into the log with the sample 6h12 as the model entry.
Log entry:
2h27
